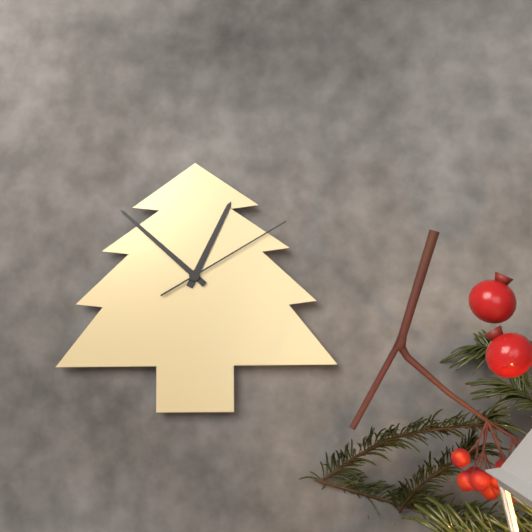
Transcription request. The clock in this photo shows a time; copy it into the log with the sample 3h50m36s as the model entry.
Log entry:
12h52m10s
